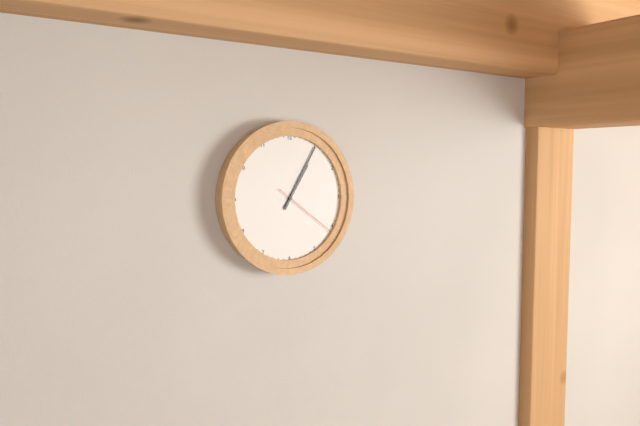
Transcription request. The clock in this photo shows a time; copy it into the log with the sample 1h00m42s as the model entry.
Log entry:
1h05m21s
